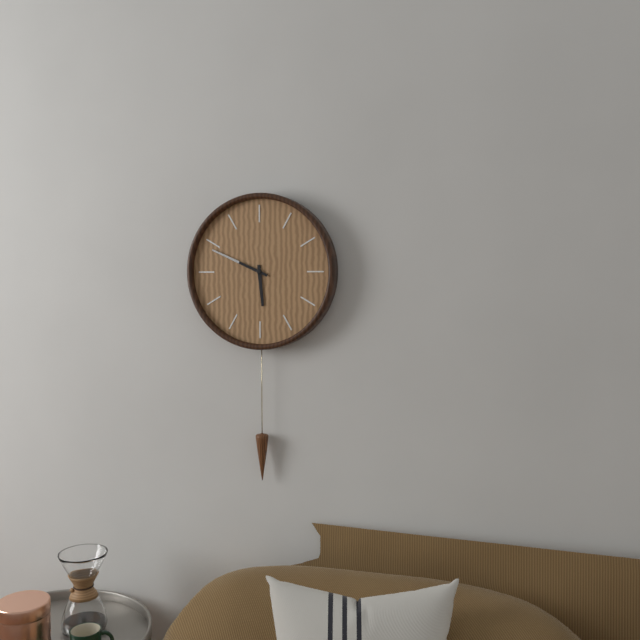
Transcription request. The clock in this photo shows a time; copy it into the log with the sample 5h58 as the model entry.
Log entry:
5h49
